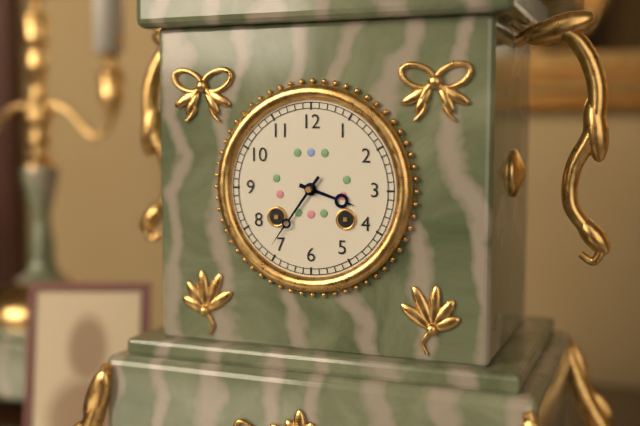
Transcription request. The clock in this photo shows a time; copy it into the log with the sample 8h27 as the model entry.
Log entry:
3h36
